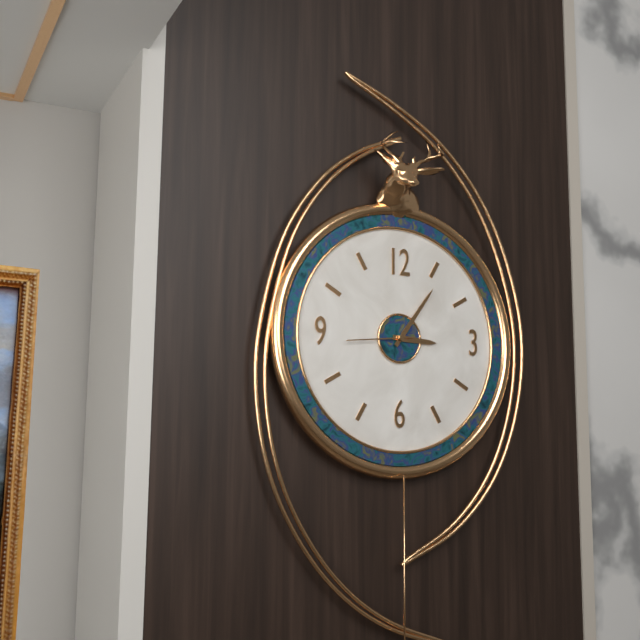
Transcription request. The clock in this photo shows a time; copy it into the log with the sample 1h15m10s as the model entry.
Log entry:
3h06m44s
